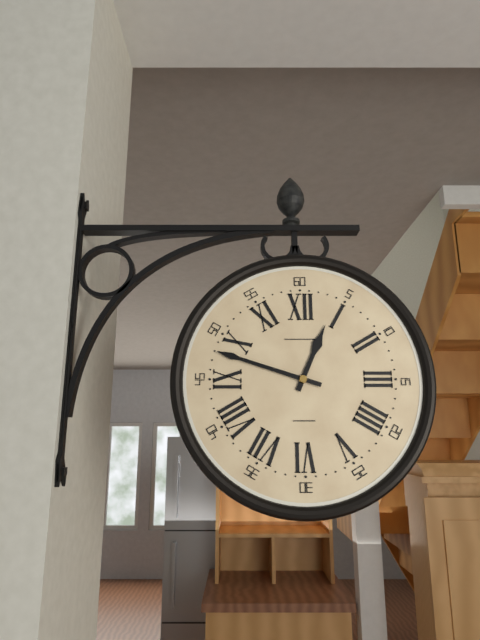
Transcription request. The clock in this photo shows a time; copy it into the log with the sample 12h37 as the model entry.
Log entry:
12h48
